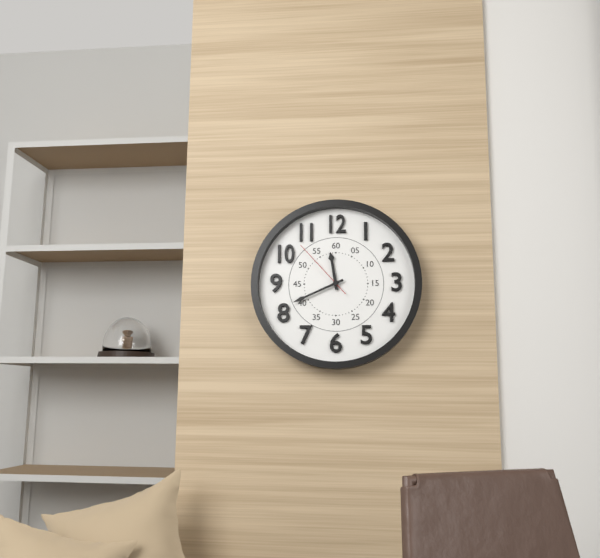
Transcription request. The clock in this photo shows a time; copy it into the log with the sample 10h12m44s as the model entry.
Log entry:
11h41m53s
